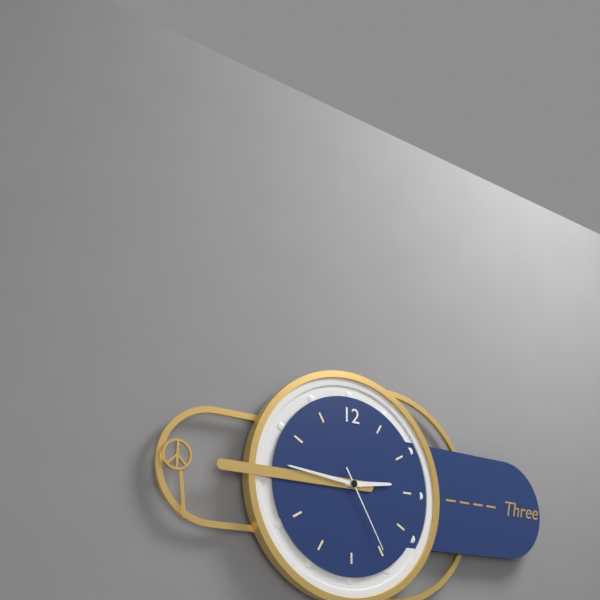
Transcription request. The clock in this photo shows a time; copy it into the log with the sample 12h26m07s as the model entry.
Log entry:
2h46m25s
